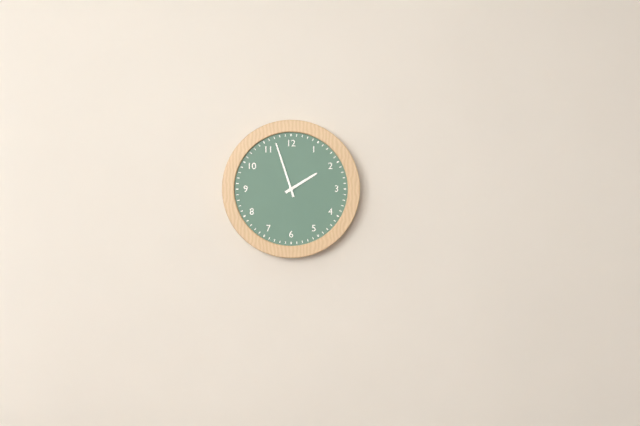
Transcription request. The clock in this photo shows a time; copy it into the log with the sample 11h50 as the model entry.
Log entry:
1h57
